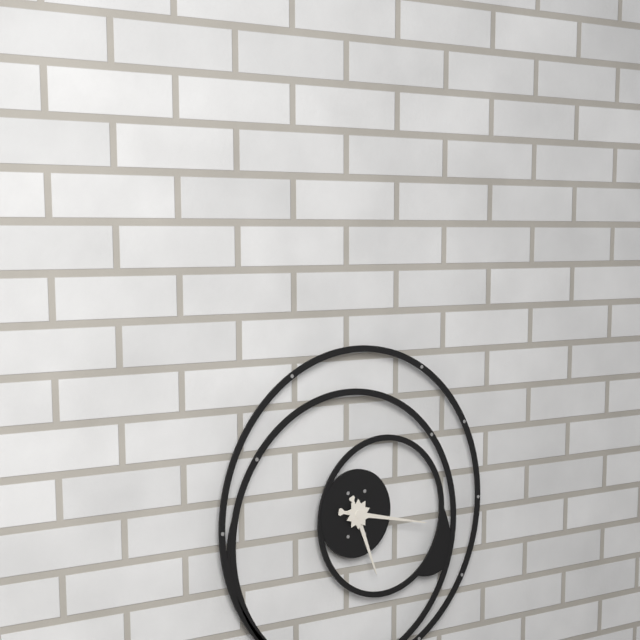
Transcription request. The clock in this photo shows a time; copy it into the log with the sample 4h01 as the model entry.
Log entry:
5h17
